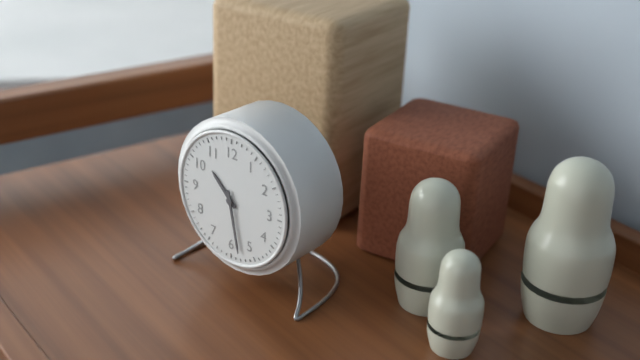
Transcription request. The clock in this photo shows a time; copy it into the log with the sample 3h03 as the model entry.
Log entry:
10h28
